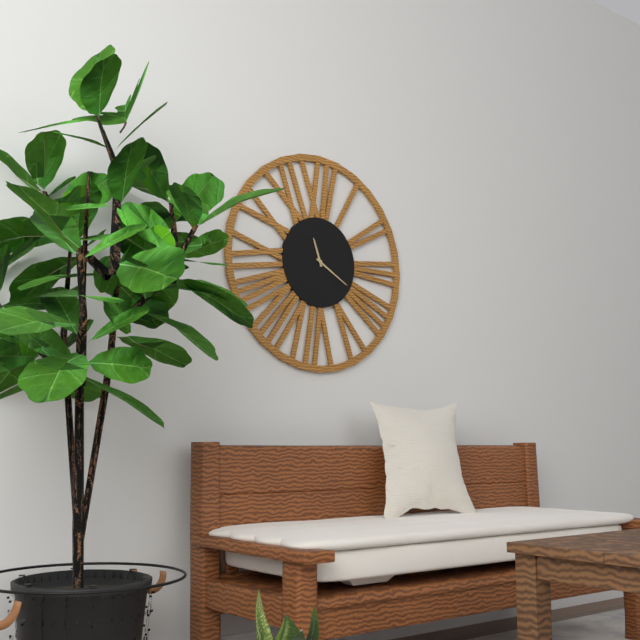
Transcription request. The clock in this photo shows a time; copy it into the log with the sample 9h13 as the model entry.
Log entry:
11h20
